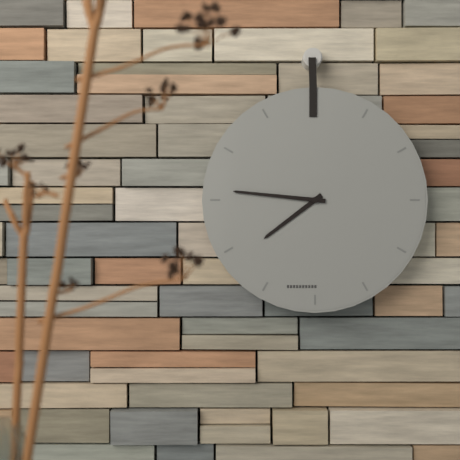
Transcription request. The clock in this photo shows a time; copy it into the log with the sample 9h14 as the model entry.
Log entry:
7h46
